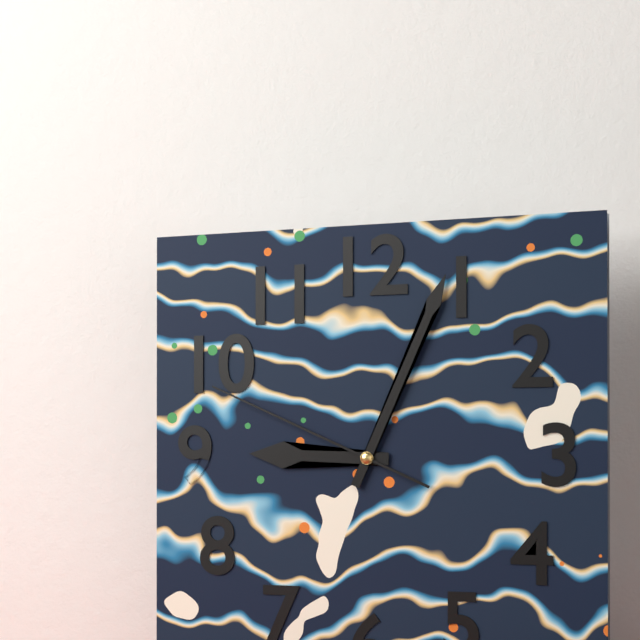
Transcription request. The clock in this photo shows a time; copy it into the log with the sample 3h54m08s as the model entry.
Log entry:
9h04m49s
